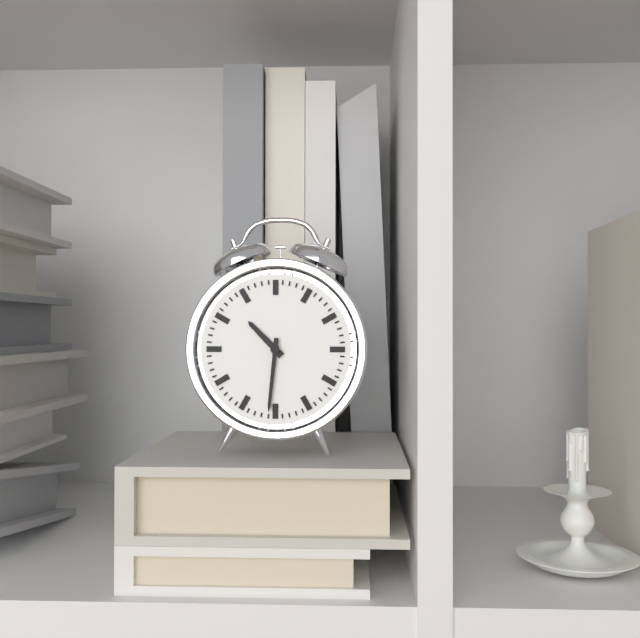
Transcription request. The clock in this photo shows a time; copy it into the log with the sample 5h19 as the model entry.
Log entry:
10h31
